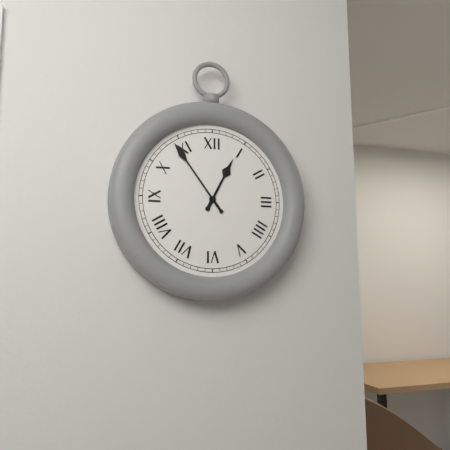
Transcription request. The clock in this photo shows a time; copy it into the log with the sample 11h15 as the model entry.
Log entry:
12h54
